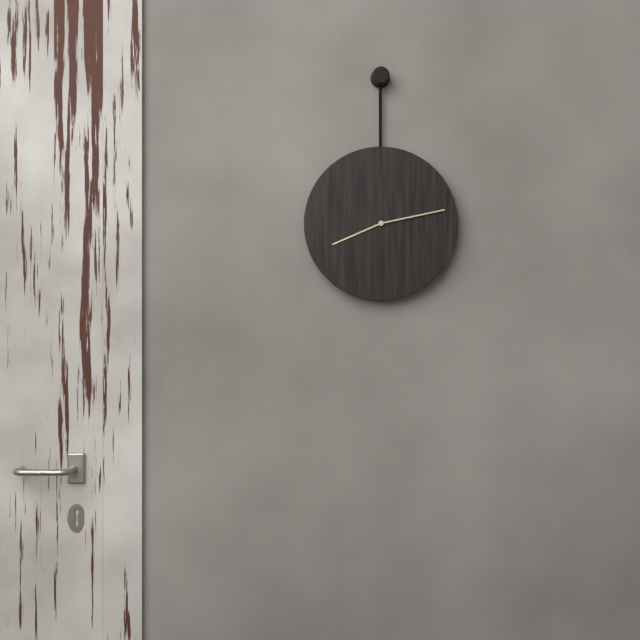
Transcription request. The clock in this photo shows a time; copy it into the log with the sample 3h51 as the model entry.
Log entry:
8h13
